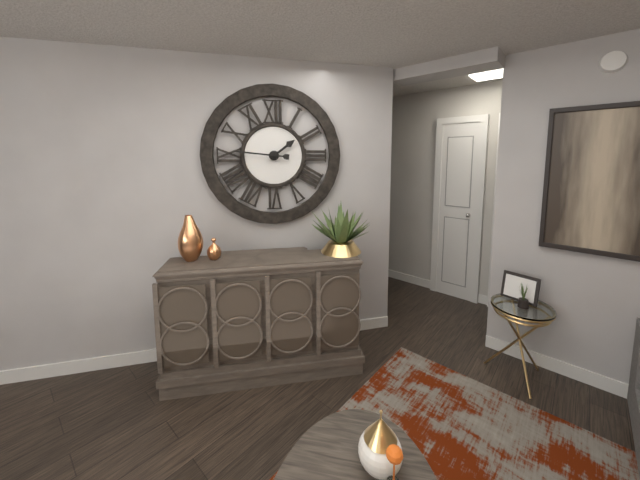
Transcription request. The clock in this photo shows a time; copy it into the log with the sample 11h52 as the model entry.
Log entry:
1h46
